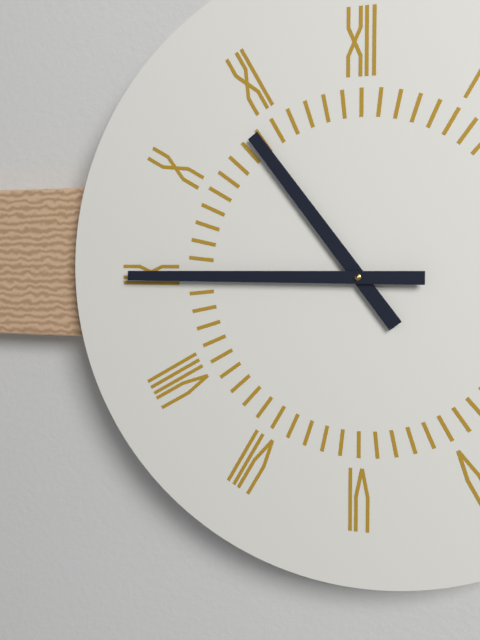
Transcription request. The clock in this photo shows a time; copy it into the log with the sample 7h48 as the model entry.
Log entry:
10h45
